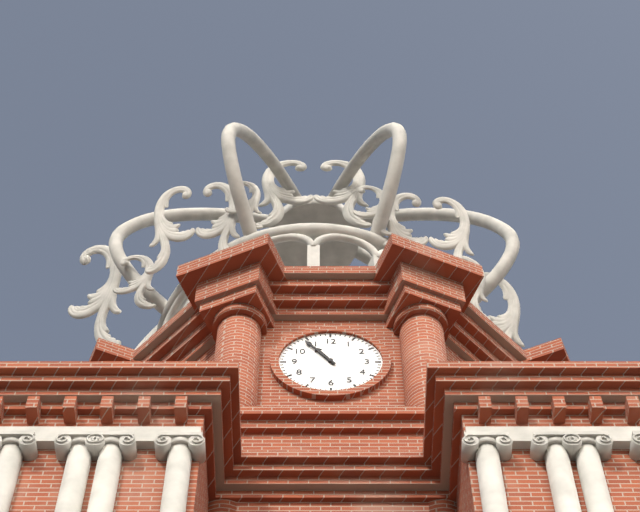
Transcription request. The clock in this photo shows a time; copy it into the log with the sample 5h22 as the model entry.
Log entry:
10h54
